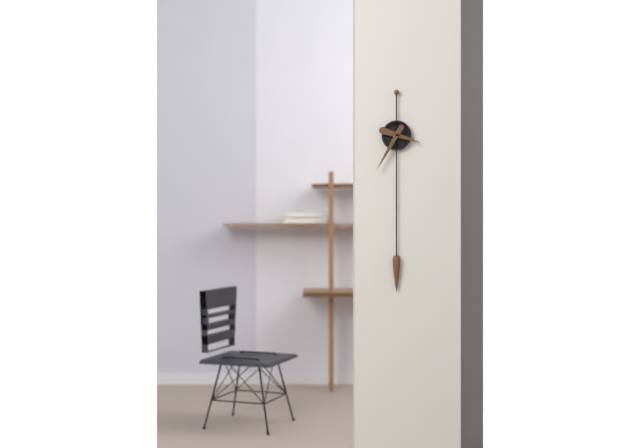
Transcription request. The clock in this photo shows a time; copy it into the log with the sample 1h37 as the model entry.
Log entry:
3h35
